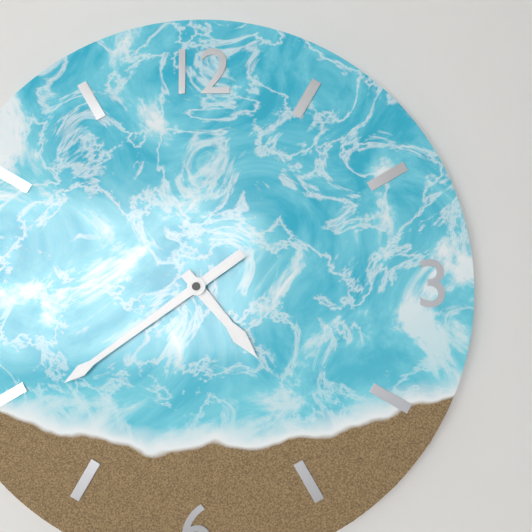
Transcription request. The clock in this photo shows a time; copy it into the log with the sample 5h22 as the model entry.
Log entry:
4h39
